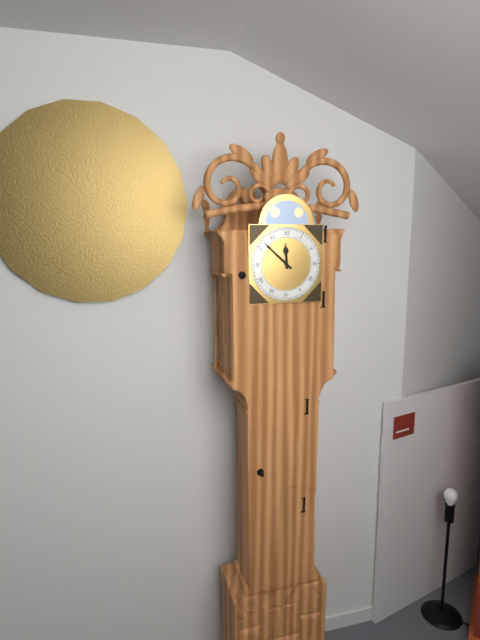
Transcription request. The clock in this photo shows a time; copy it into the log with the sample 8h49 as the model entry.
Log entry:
11h52
